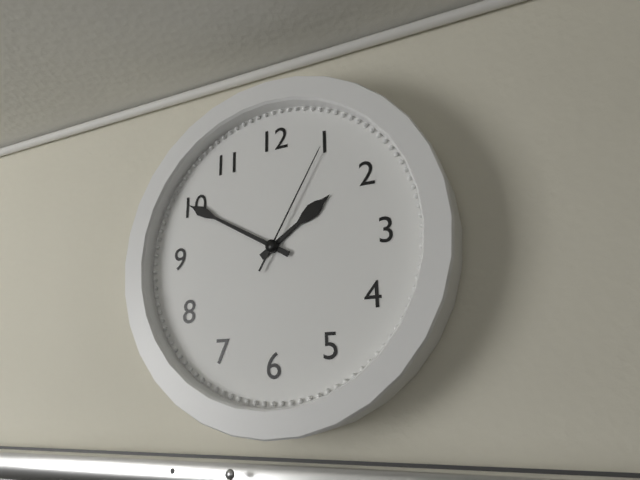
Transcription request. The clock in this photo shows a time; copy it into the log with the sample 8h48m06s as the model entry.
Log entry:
1h50m05s
